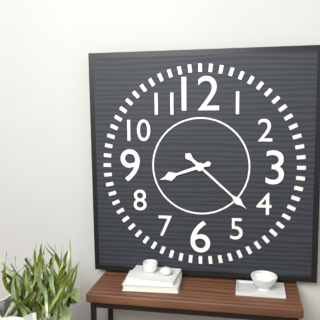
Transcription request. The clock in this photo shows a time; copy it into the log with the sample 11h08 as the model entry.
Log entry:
8h22
